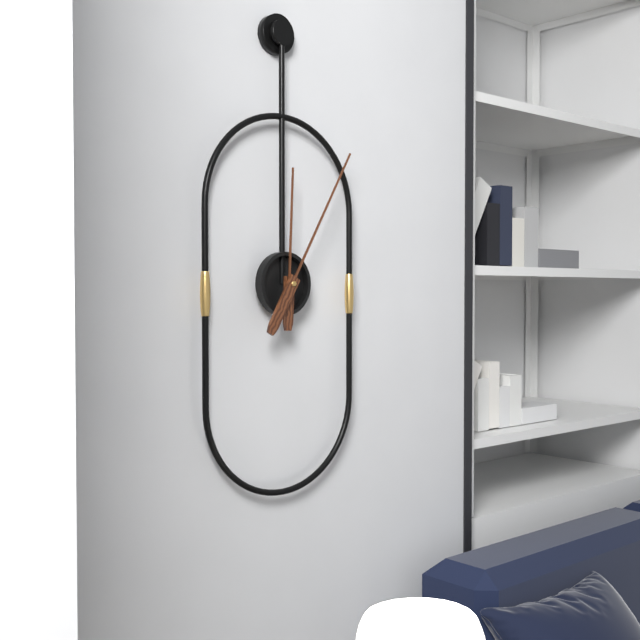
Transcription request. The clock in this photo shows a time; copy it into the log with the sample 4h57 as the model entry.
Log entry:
12h05
